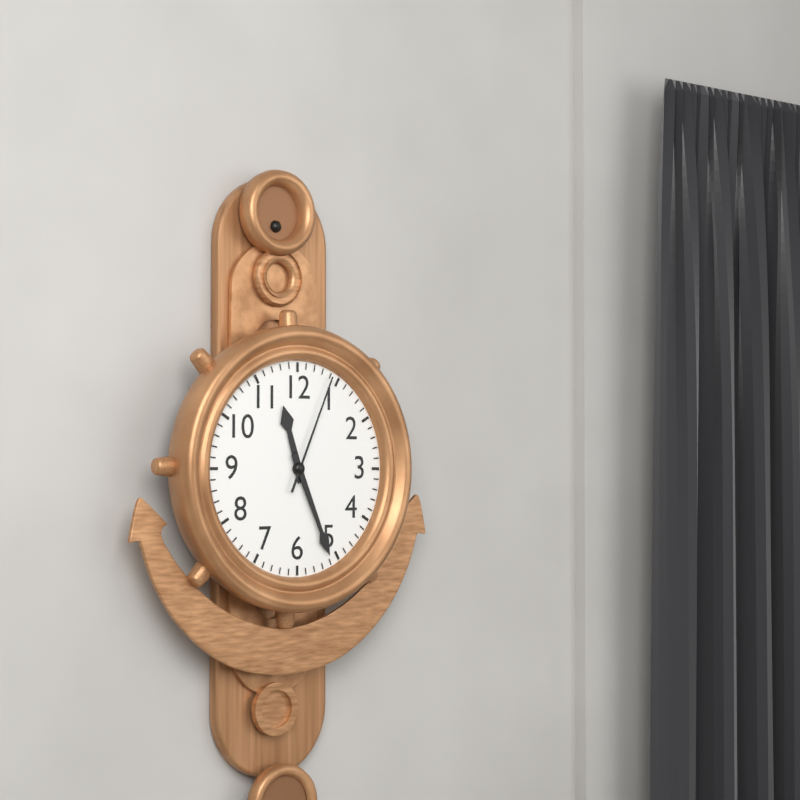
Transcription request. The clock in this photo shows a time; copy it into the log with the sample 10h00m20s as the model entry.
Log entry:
11h26m04s
